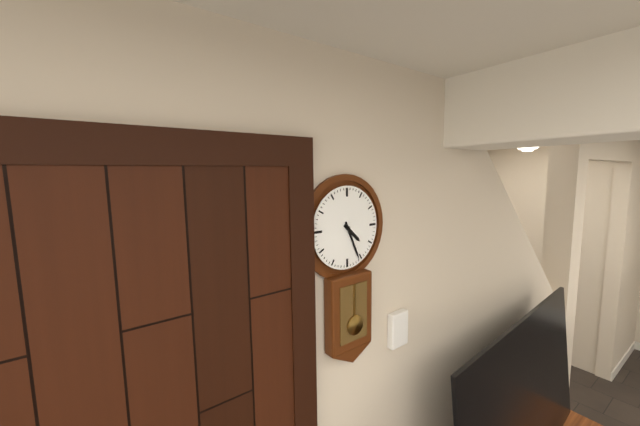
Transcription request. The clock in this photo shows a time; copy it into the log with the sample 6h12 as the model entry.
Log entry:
4h26
